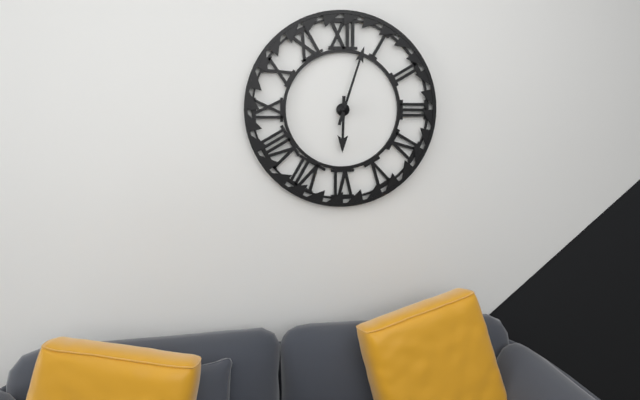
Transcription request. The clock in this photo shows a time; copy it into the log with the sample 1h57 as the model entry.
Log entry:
6h03
